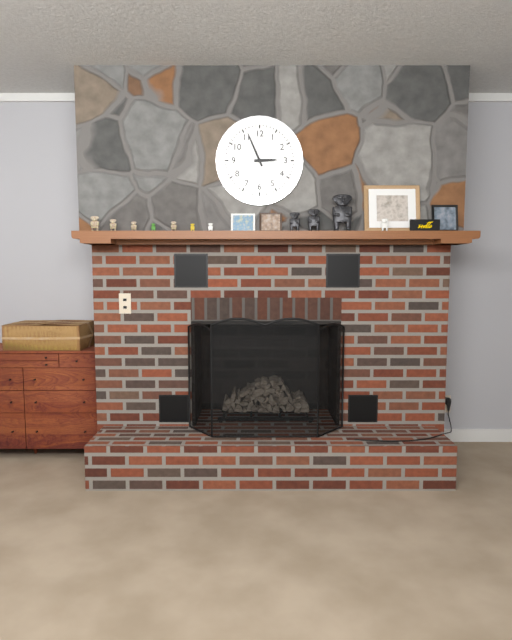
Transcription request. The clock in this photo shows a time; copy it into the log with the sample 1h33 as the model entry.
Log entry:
2h56
